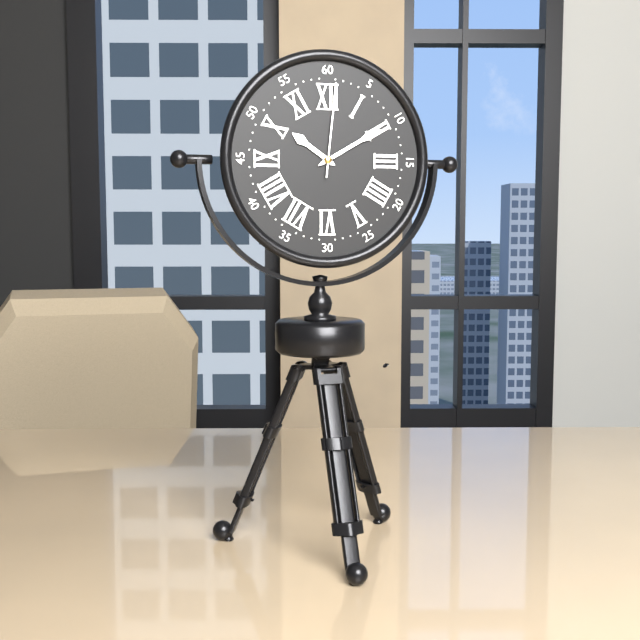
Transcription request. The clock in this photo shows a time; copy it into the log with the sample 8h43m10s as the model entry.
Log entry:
10h10m01s
